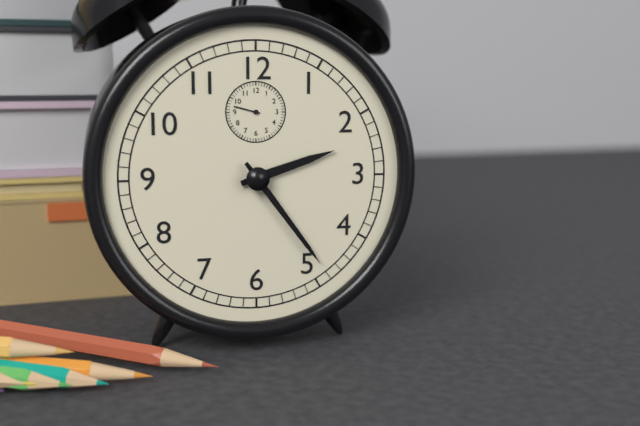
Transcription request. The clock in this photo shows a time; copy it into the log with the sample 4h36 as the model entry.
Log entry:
2h24
